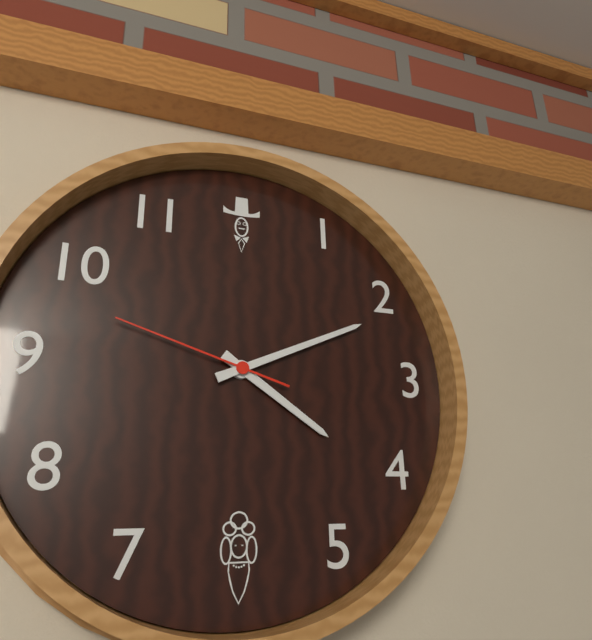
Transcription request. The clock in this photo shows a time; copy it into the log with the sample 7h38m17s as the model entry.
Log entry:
4h11m48s
